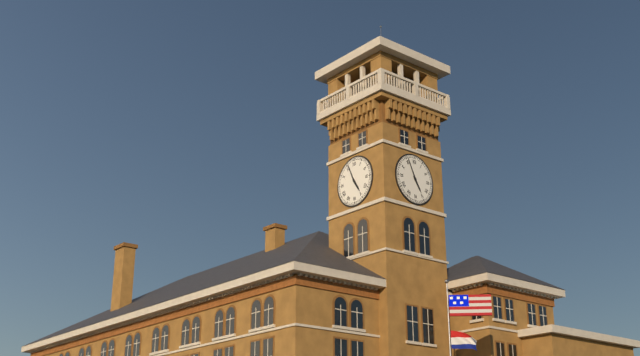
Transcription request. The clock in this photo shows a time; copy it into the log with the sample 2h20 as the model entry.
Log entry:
4h56
